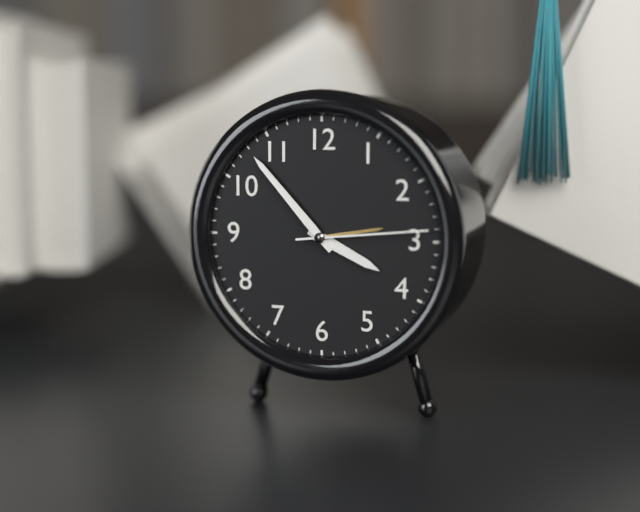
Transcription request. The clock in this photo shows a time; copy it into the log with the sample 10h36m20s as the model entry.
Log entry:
3h53m14s
